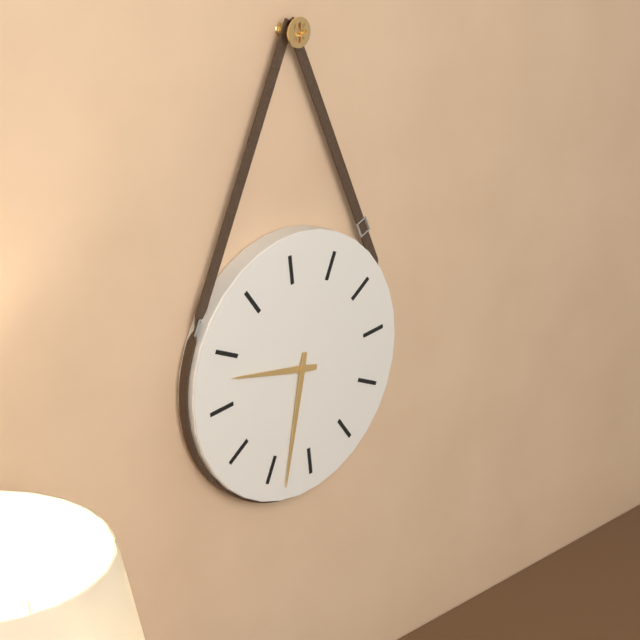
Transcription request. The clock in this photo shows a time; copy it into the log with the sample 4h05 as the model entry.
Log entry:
9h33
